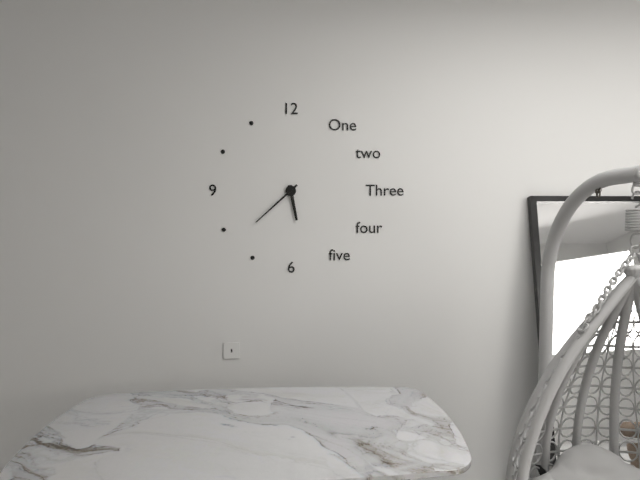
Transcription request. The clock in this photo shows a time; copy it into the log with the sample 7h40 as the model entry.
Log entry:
5h38
